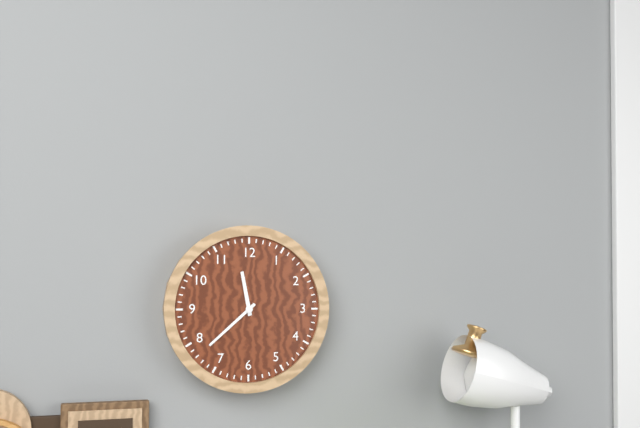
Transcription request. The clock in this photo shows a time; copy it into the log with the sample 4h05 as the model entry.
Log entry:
11h38
